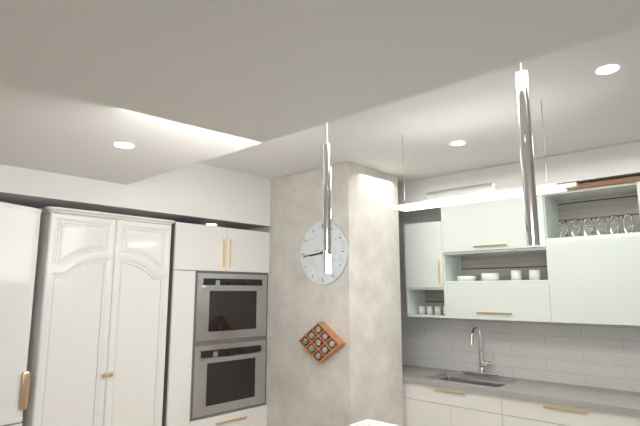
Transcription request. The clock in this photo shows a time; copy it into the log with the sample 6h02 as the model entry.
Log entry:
8h44
